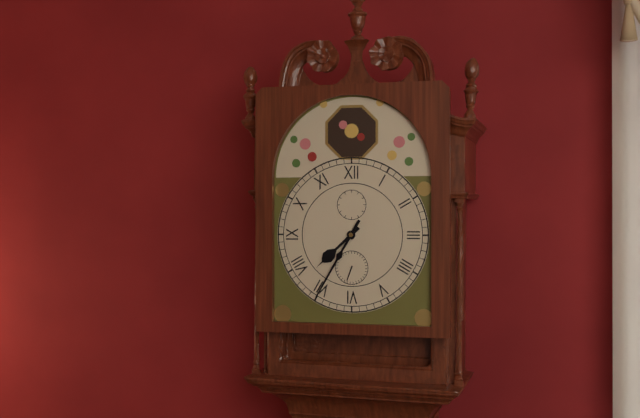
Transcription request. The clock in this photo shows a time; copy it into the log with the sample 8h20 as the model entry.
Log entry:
7h35
